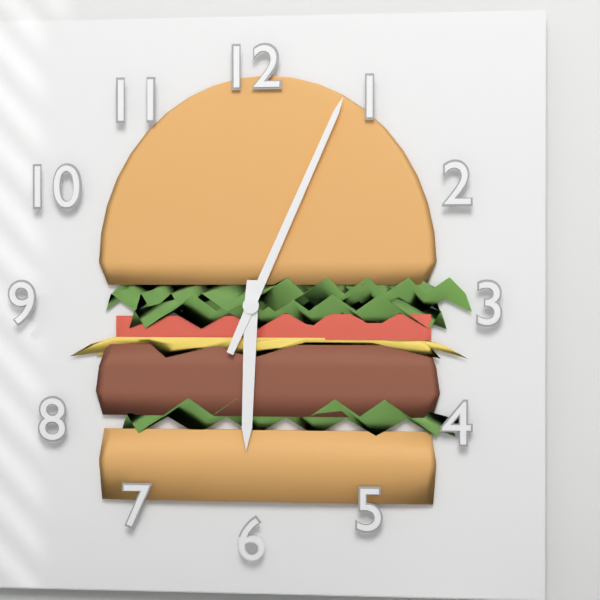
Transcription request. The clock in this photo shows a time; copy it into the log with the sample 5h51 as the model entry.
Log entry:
6h04
